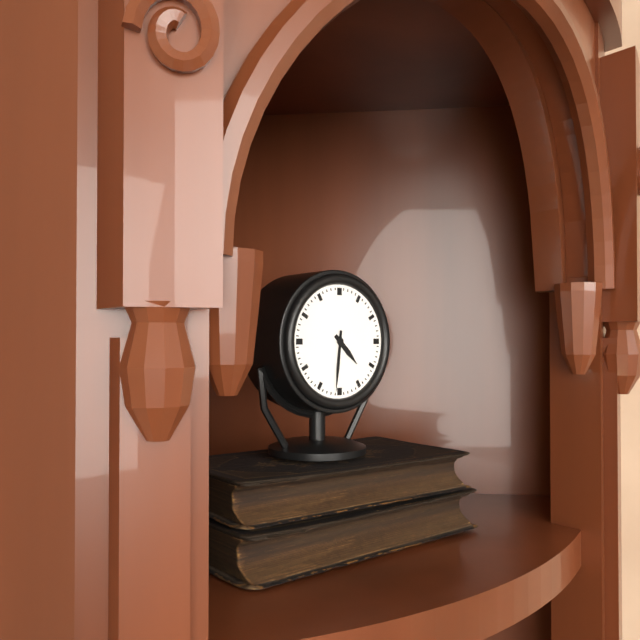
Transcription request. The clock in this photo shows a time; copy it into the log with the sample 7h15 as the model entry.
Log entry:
4h31
